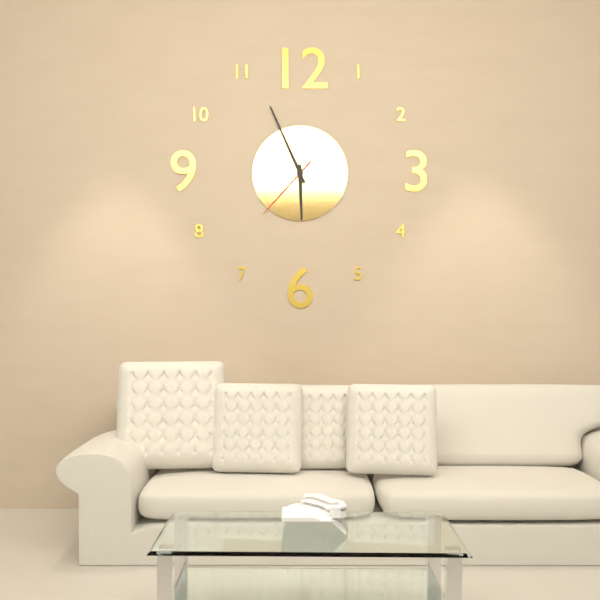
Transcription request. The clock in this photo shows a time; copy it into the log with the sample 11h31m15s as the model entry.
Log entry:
5h56m37s
